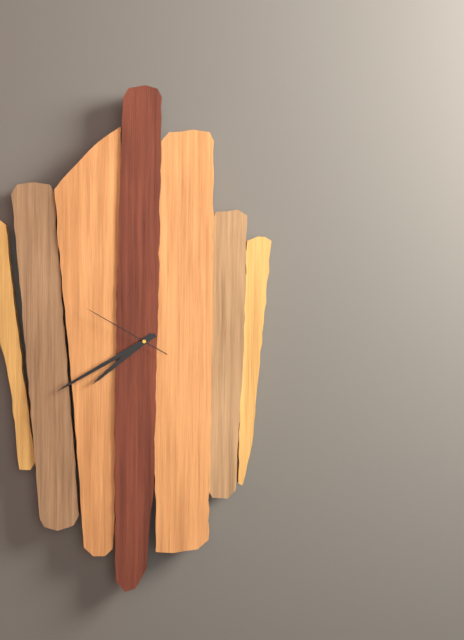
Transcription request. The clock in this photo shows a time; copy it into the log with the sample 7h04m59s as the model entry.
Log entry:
7h40m50s
